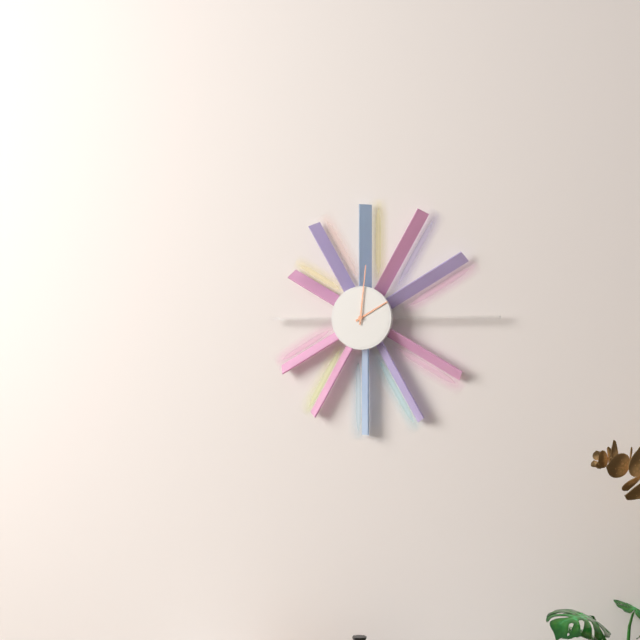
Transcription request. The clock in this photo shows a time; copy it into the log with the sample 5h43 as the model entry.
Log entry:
2h01
